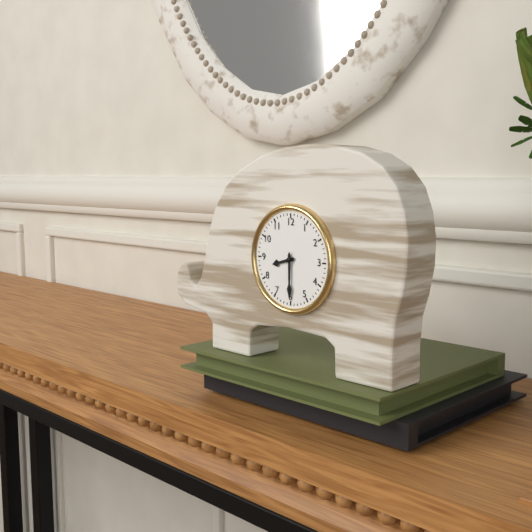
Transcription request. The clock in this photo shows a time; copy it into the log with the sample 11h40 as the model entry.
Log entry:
8h30
